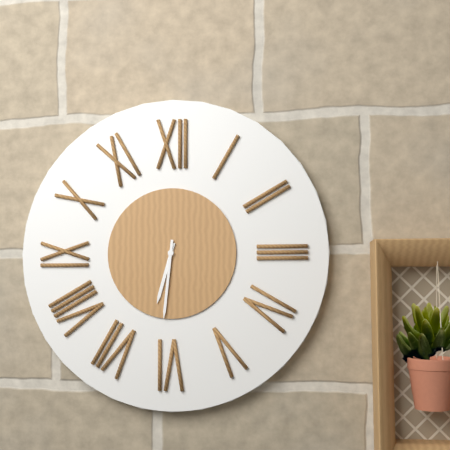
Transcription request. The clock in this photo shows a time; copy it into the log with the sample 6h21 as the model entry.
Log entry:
6h31
